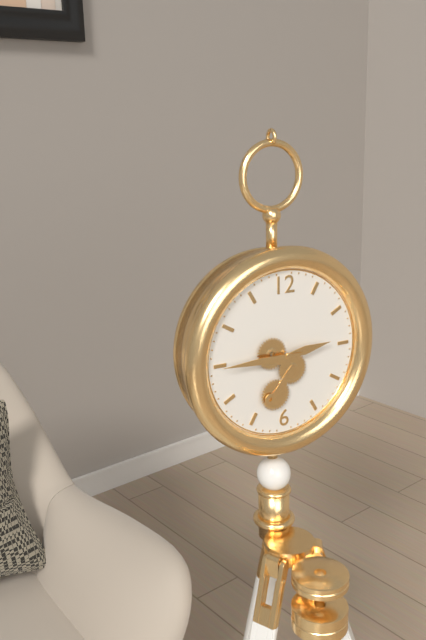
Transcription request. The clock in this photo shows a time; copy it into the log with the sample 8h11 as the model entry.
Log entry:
2h45
